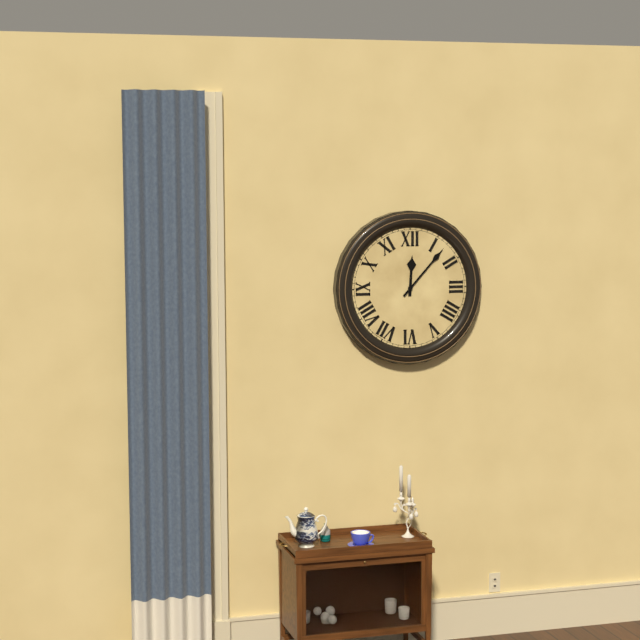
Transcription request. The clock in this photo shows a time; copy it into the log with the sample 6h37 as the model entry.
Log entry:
12h07
